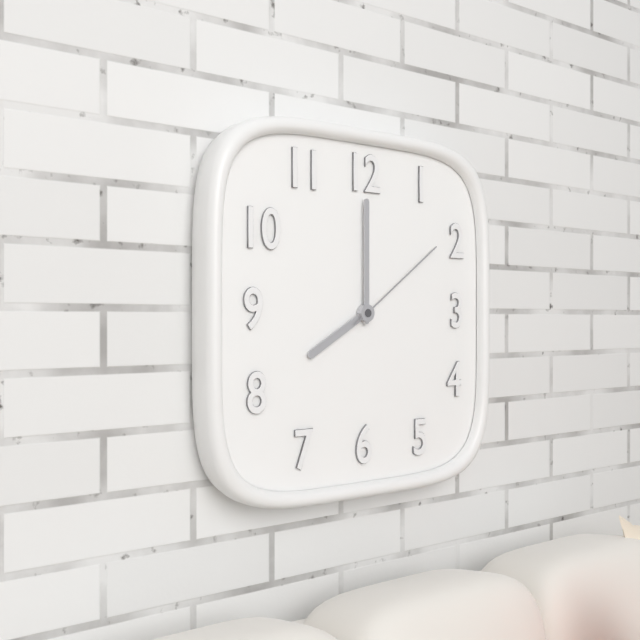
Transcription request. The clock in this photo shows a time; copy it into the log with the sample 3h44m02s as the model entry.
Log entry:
8h00m09s
